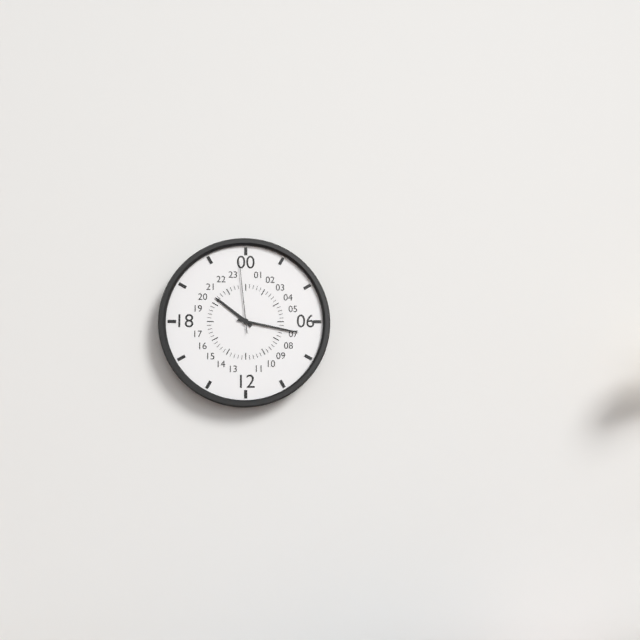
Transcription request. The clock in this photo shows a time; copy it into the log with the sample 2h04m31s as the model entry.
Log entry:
10h17m59s
